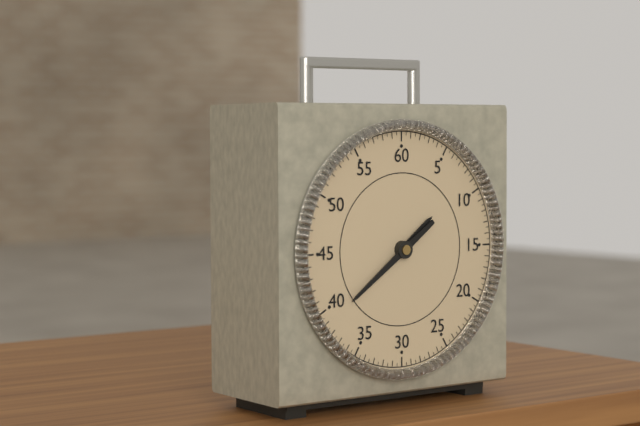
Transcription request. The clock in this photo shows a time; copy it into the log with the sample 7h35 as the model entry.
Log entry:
1h39
